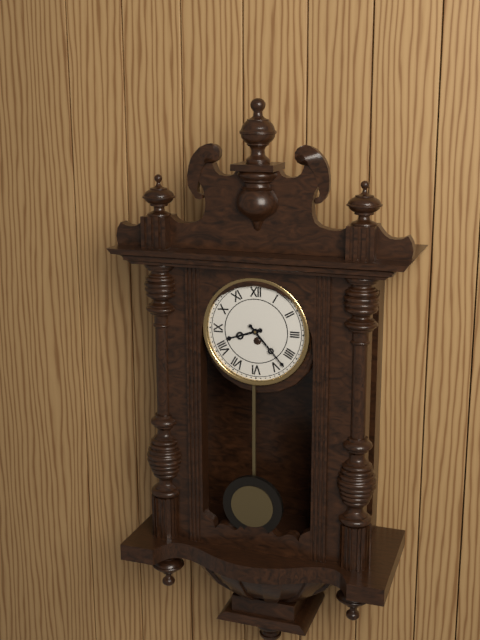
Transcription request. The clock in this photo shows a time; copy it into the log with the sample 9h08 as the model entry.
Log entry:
8h23
